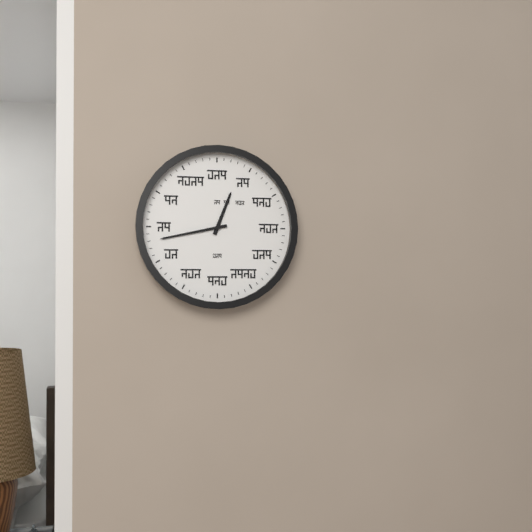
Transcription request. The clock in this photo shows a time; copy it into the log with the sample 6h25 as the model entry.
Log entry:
12h43
